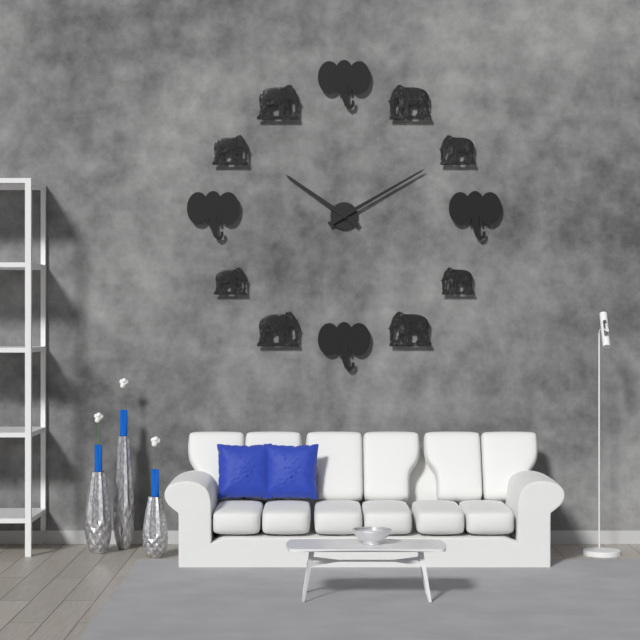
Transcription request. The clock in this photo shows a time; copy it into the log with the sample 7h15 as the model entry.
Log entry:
10h10
